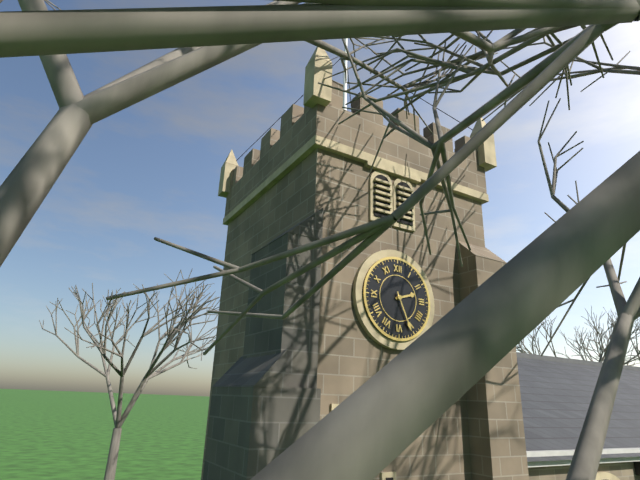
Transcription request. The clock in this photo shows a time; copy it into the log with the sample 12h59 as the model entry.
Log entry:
2h26
